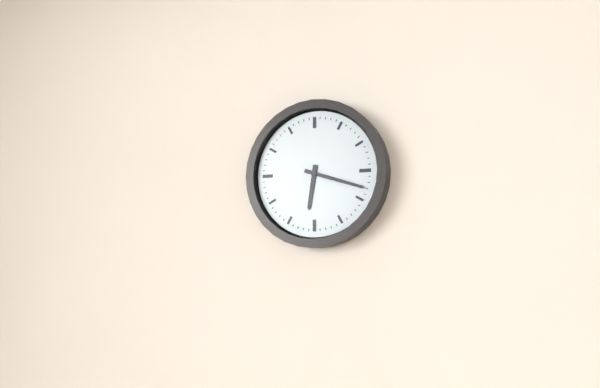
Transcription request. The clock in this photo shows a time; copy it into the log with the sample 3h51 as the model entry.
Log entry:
6h18
